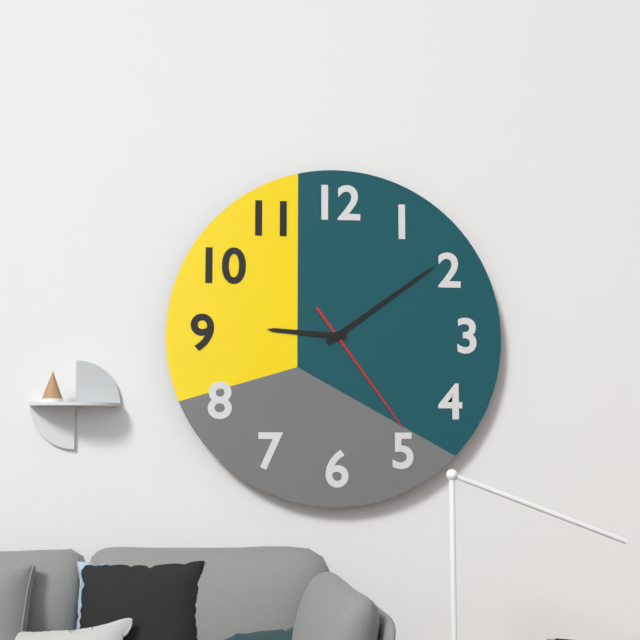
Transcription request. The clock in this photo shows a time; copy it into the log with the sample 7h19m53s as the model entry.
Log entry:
9h09m24s
